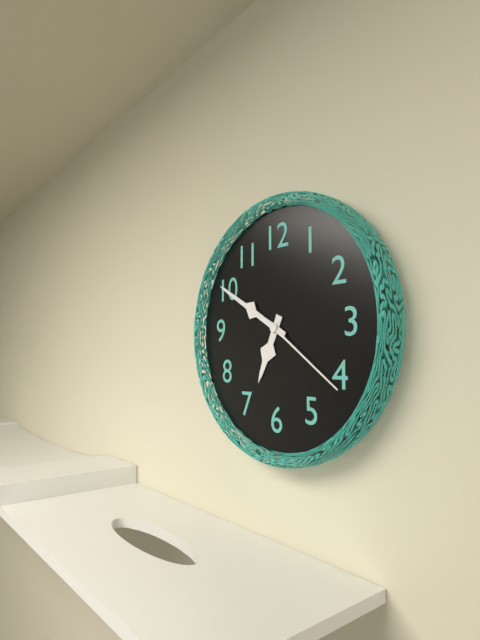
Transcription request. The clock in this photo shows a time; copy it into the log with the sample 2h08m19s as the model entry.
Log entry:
6h50m21s
